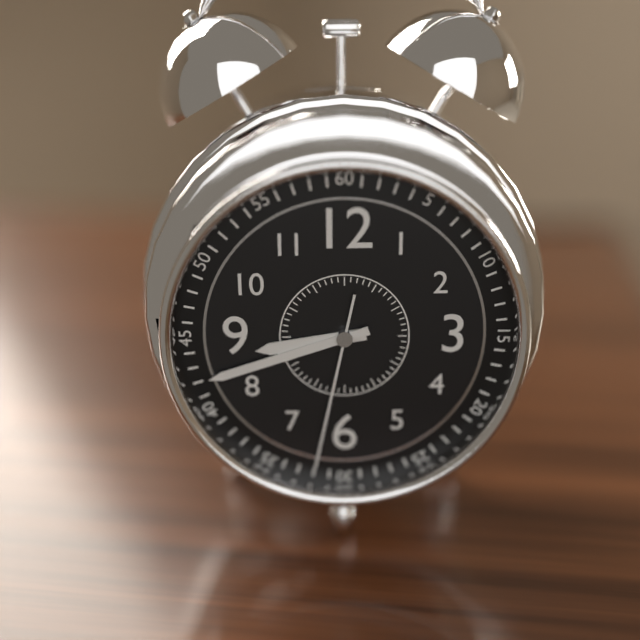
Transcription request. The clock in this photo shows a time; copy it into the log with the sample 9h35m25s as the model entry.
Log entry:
8h42m32s
